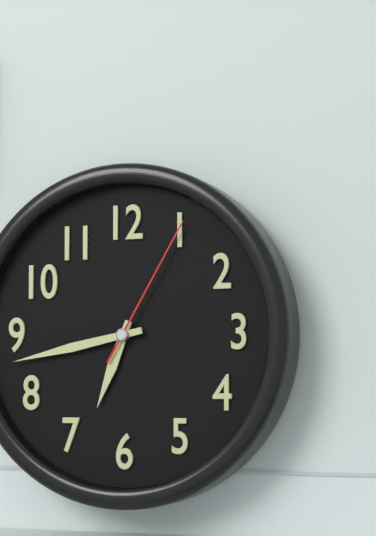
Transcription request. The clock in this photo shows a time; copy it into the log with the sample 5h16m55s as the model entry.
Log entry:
6h43m05s
